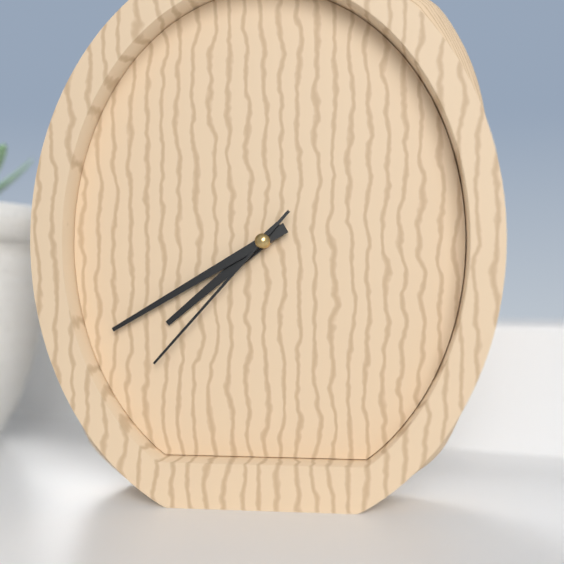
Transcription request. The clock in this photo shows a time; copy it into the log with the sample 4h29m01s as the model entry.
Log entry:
7h40m37s
